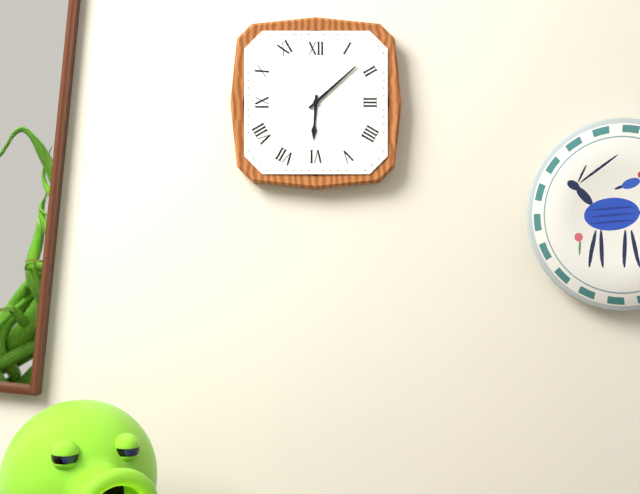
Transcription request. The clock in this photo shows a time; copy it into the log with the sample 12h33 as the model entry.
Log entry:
6h08
